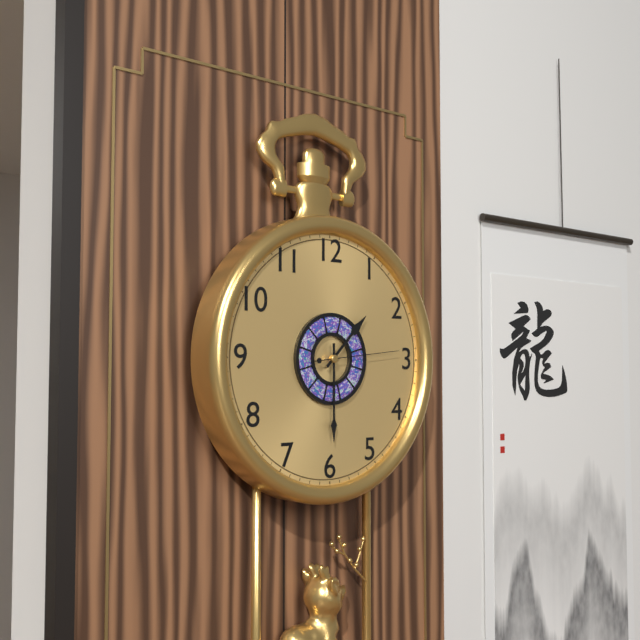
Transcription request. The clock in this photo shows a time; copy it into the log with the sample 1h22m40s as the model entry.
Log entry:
1h30m14s
